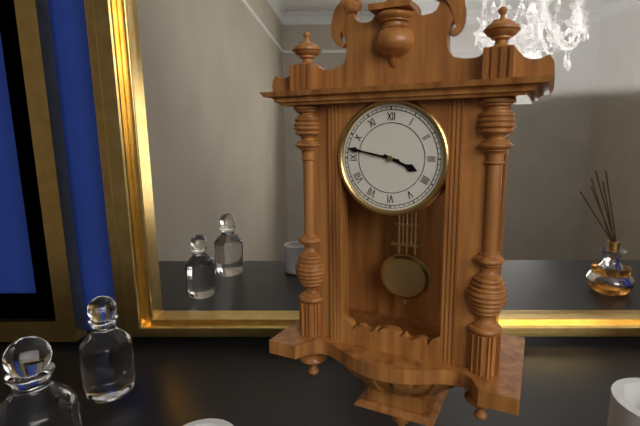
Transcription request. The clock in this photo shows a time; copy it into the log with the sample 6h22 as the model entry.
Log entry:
3h47
